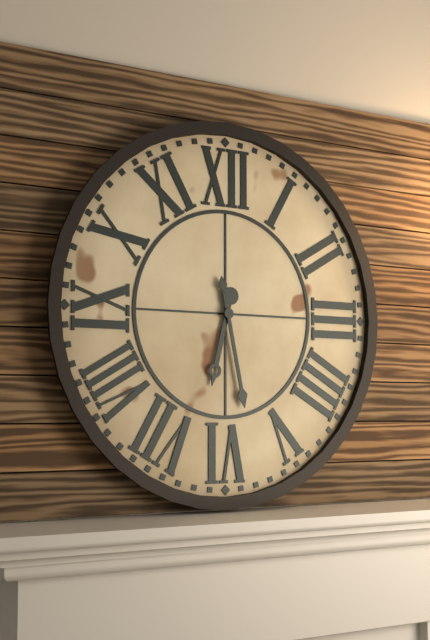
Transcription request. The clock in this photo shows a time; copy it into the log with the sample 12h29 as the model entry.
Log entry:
6h28
